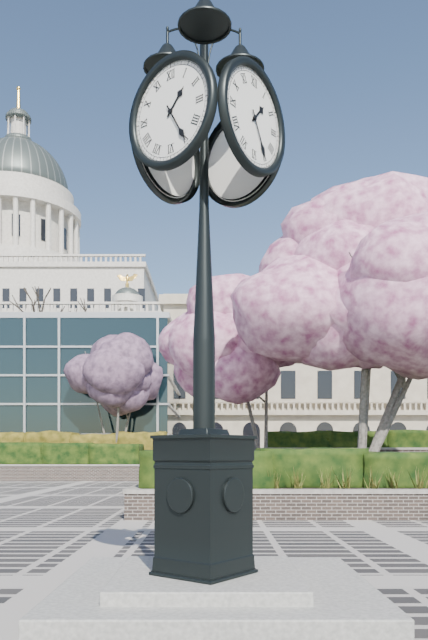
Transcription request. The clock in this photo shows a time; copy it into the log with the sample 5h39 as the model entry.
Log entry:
1h25
